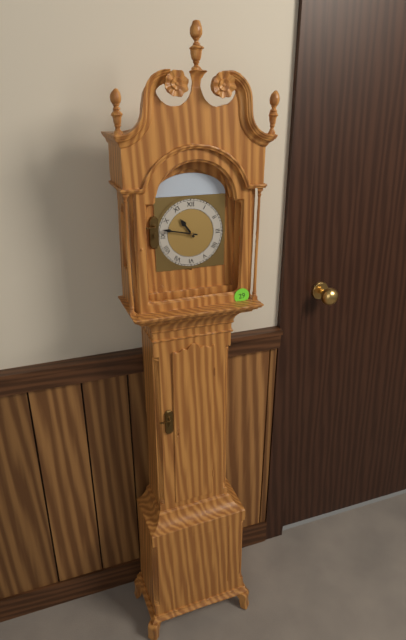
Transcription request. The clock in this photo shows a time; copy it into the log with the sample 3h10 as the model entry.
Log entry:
10h47
